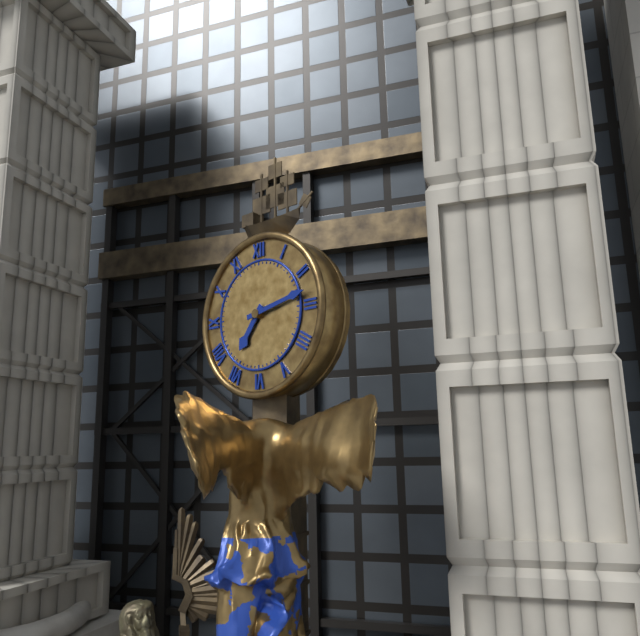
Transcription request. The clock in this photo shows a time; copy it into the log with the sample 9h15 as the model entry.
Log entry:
7h13
